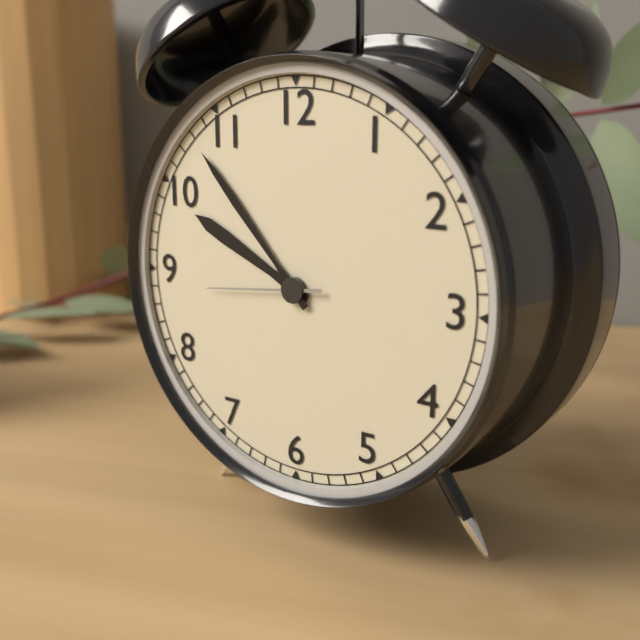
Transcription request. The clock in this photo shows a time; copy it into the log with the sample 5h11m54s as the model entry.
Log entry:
9h53m44s
